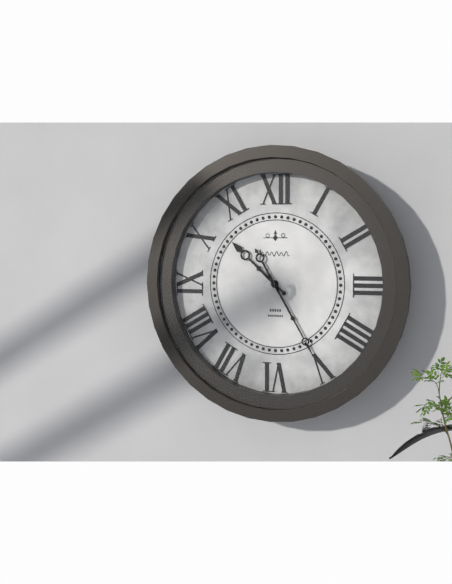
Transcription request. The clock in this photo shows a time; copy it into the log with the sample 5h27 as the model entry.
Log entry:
10h25
